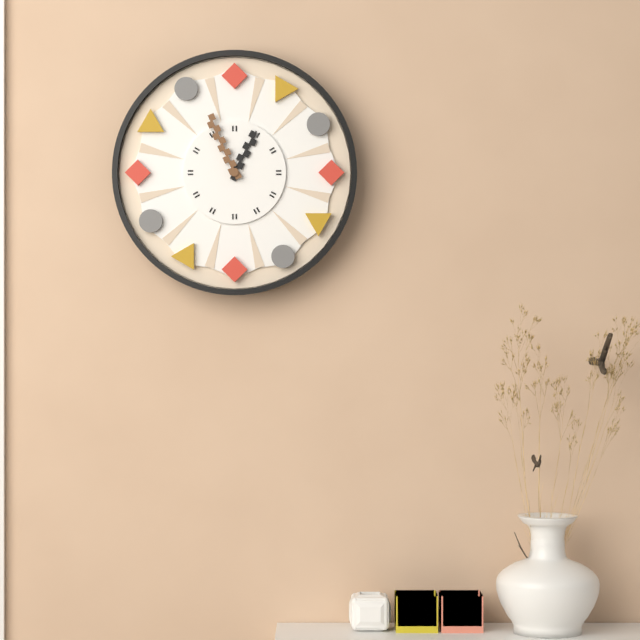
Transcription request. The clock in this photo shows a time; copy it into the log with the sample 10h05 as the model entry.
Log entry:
12h56
